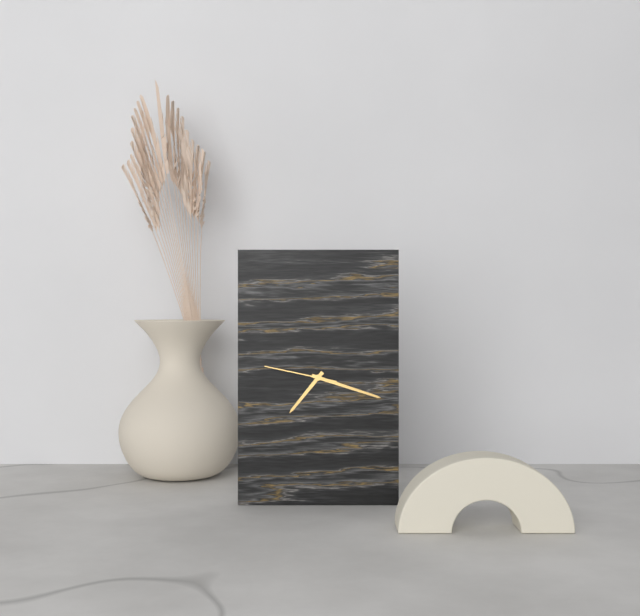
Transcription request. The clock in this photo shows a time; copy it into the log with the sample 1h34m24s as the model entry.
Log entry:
7h18m47s
